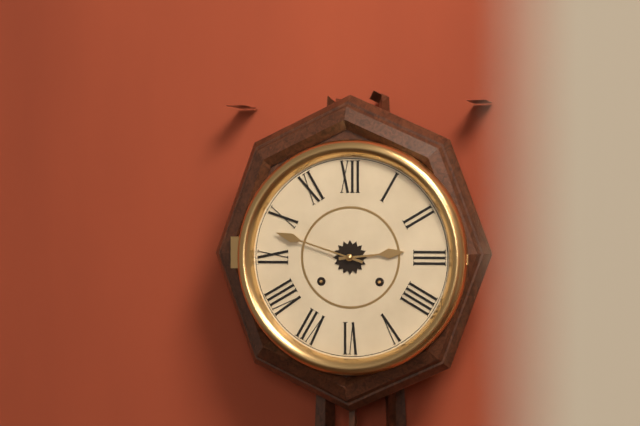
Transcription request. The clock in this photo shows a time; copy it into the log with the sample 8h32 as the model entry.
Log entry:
2h48
